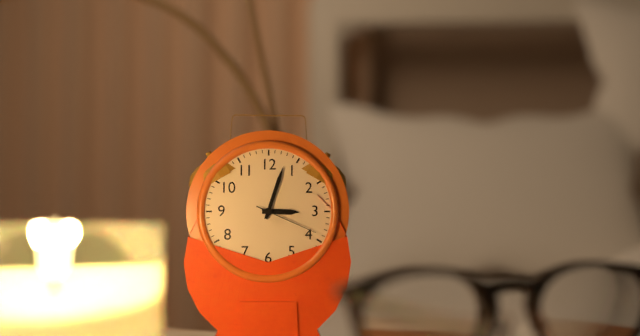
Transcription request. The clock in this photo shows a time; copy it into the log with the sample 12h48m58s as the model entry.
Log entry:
3h03m19s
